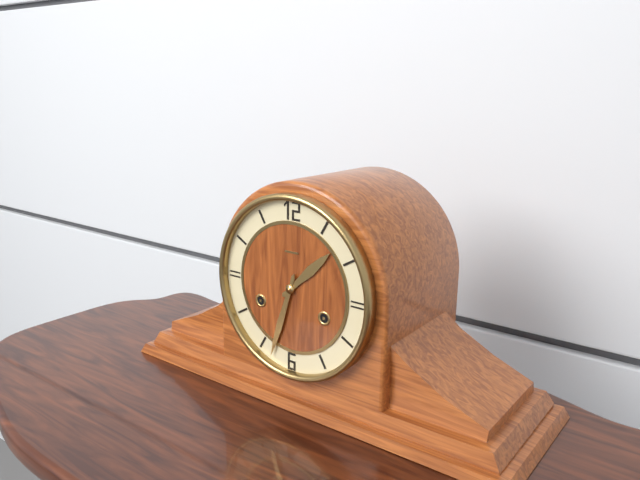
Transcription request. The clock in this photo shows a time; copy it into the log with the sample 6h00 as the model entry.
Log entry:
1h33
